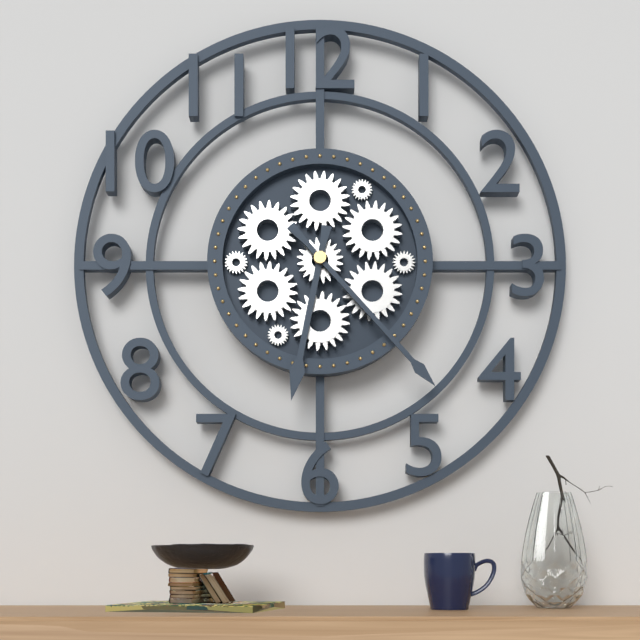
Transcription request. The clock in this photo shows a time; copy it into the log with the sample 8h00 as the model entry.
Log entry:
6h23
